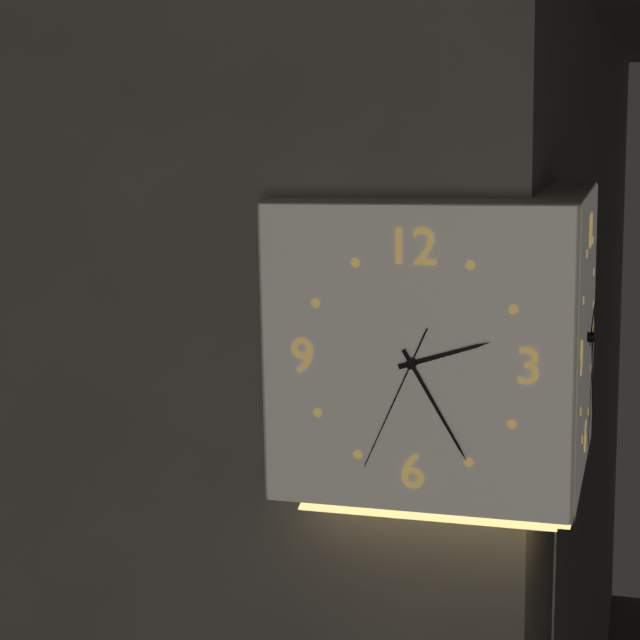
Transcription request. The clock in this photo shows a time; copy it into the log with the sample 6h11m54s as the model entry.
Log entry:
2h25m34s
